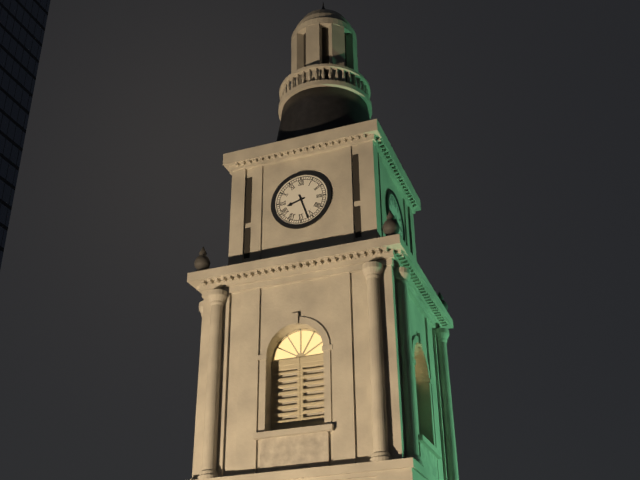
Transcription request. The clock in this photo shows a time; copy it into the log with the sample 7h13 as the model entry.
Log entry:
8h27
